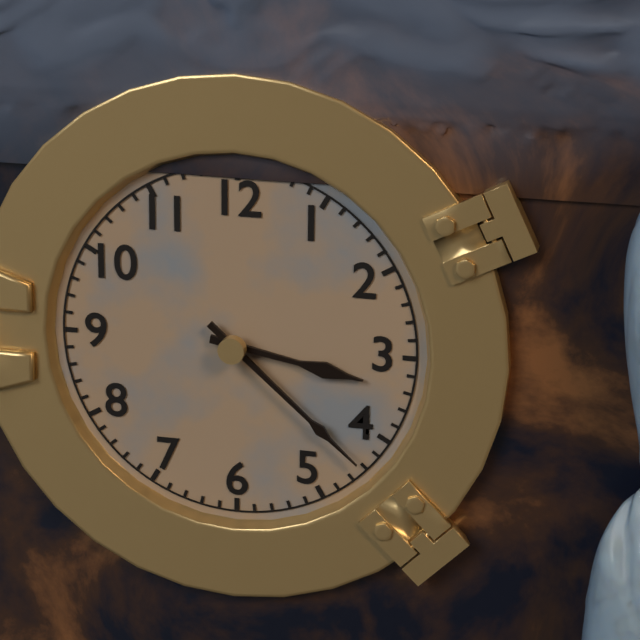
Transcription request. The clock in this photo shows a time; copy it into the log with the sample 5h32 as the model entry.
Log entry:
3h22
